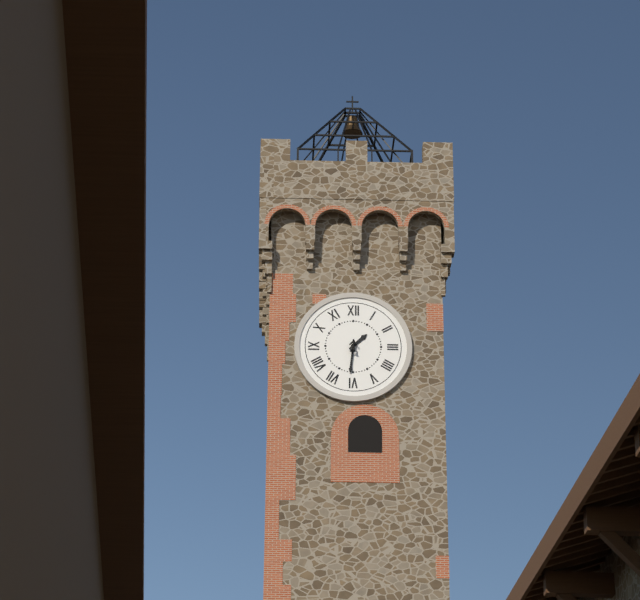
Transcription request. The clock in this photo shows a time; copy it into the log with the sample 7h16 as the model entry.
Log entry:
1h31
